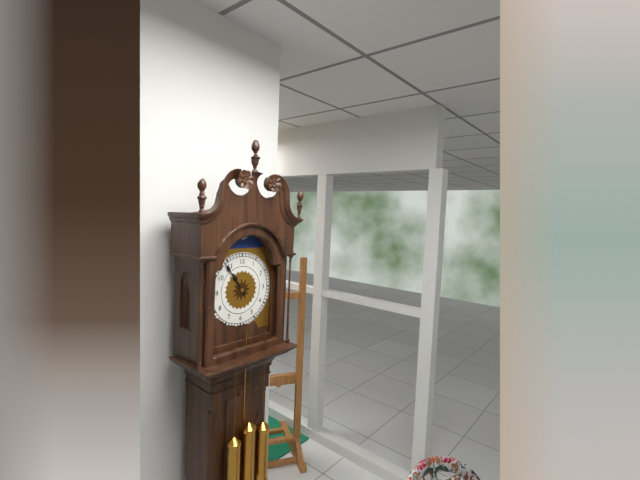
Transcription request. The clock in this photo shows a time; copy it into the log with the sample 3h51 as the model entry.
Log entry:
10h54
